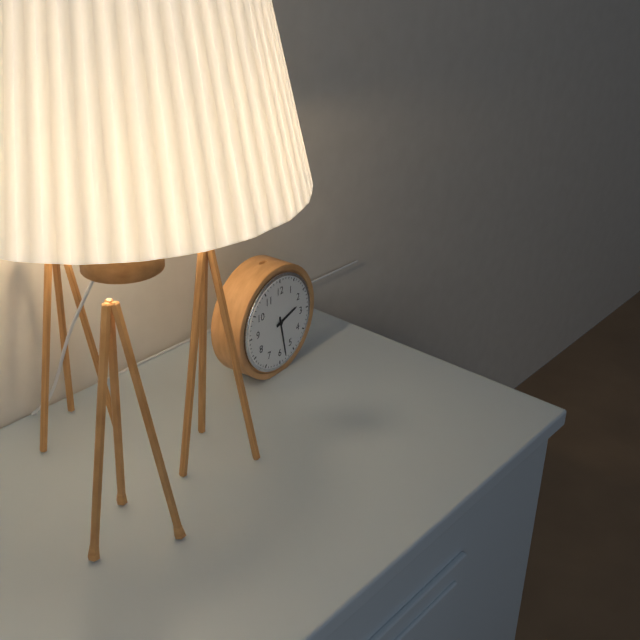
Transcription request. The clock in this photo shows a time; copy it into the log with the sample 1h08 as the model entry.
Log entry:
2h28
